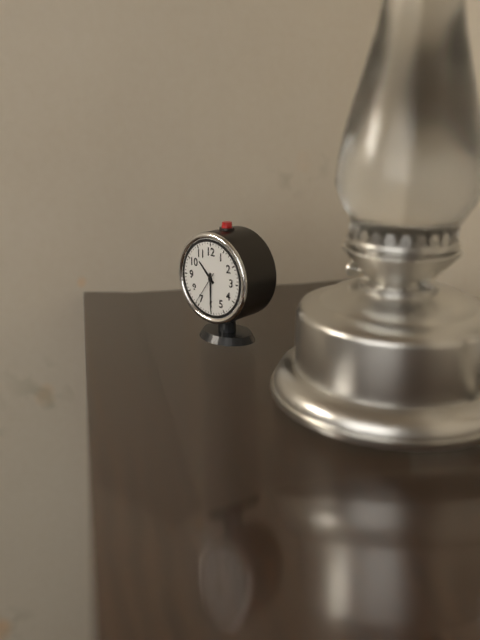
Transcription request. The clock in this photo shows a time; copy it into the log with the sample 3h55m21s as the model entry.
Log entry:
10h30m36s
